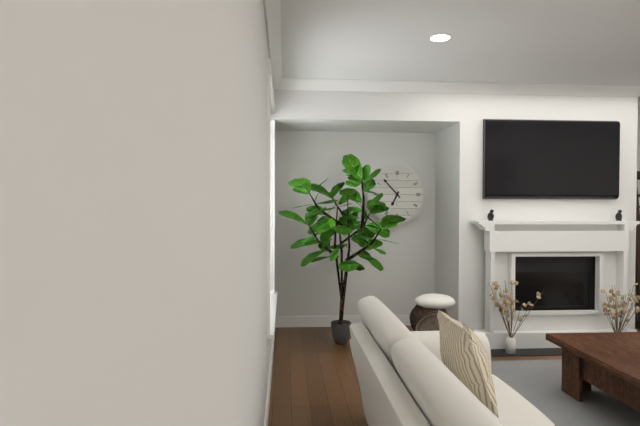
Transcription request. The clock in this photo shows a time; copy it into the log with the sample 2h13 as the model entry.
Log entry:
6h53
